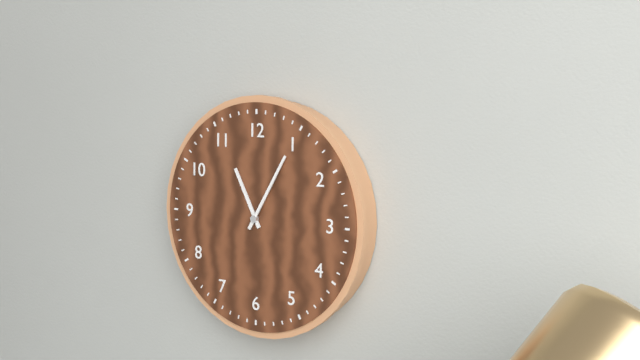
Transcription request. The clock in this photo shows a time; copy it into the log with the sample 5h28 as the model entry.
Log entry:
11h05
